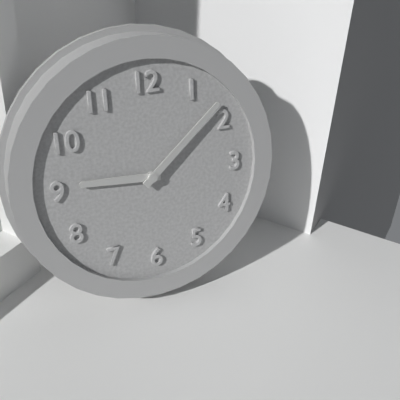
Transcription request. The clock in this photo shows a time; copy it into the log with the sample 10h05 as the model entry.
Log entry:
9h08
